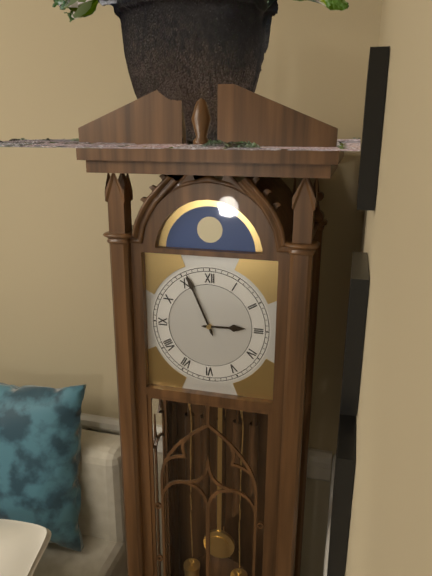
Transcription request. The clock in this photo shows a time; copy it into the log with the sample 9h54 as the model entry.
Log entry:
2h56
